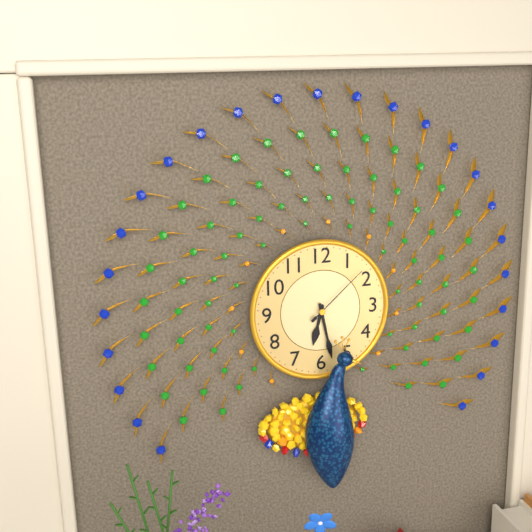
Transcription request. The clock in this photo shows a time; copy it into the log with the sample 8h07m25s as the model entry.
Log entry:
6h28m08s
